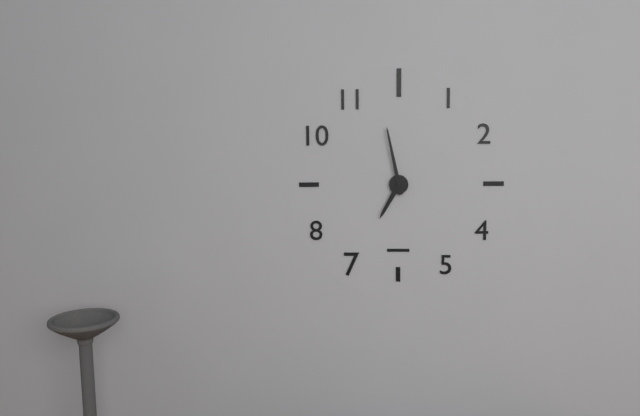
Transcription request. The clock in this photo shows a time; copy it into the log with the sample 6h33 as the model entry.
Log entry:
6h58
